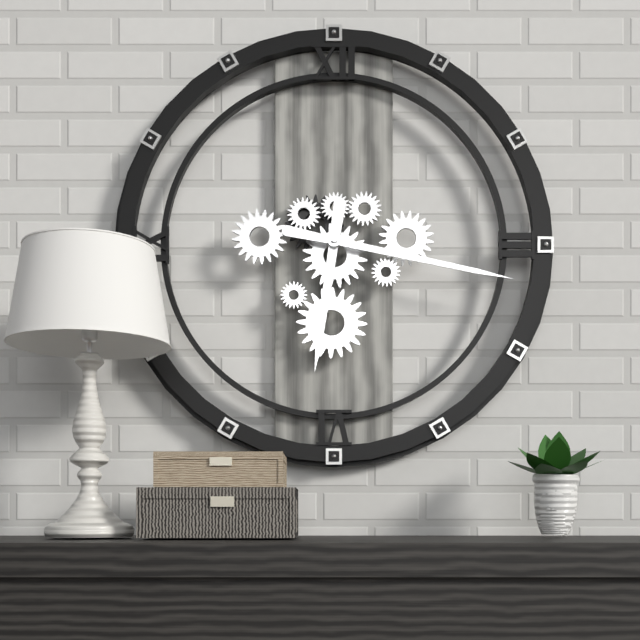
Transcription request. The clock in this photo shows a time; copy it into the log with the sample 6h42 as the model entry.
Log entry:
6h17
